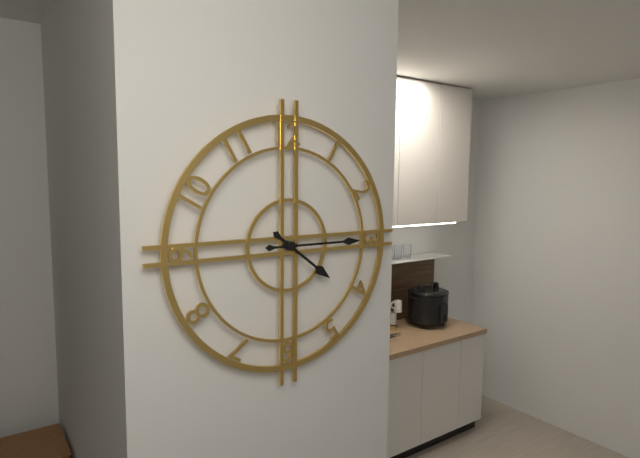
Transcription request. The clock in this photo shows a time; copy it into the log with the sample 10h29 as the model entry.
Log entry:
4h15
